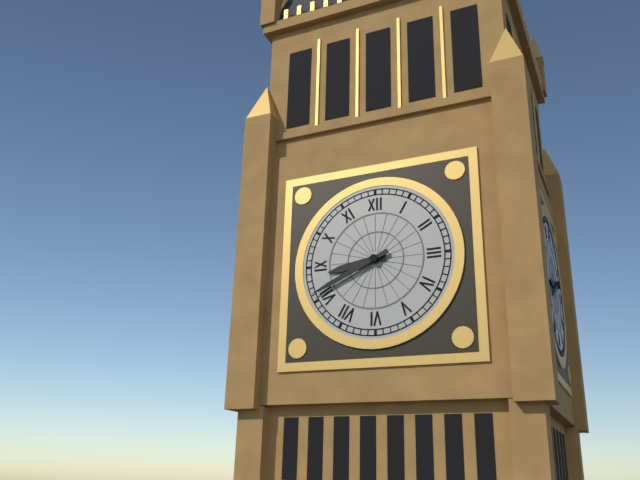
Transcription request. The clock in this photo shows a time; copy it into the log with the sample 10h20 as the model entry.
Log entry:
8h41
